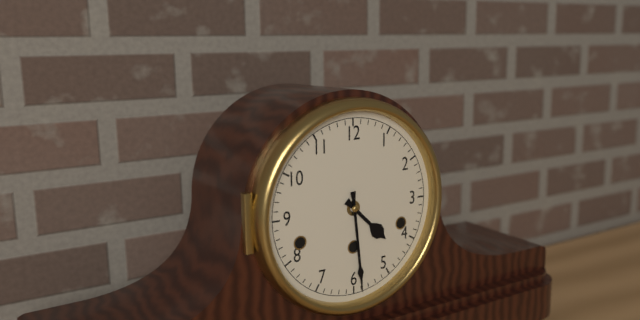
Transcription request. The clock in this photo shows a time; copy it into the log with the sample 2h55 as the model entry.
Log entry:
4h29
